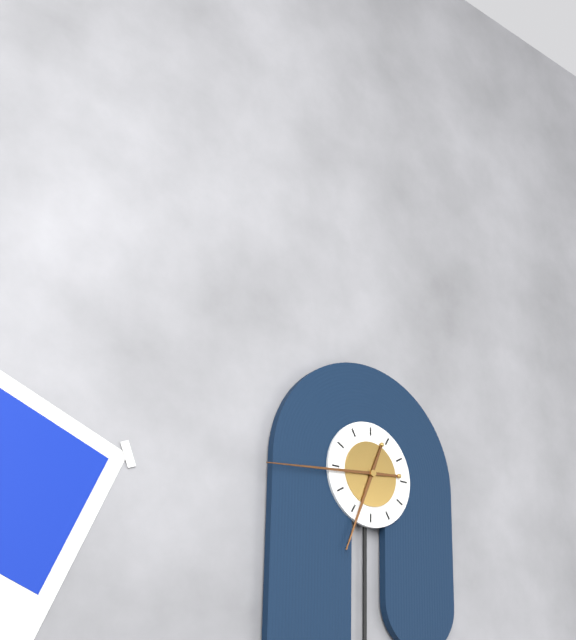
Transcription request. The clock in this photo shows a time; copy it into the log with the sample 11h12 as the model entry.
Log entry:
6h44
